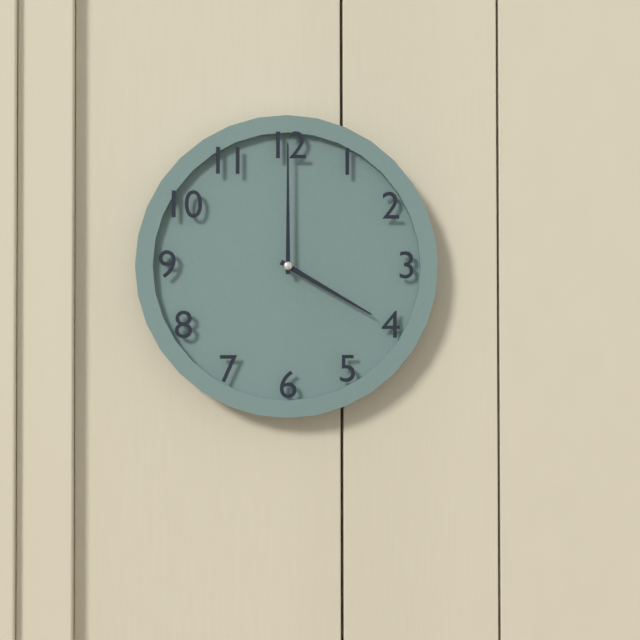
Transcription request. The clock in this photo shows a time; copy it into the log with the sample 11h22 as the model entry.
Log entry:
4h00
